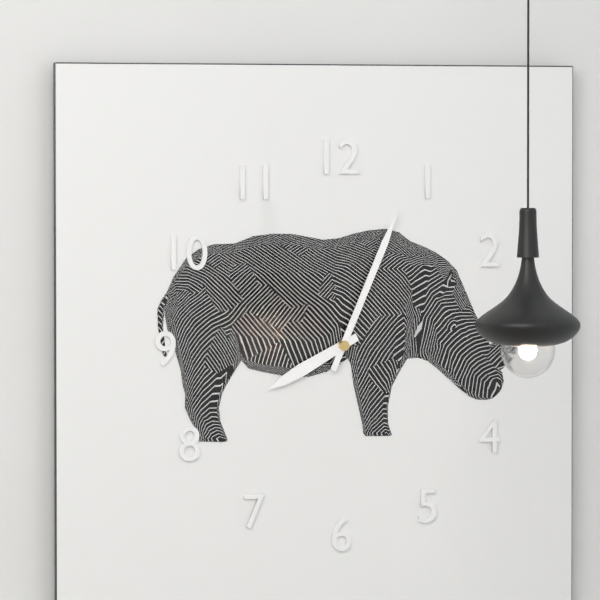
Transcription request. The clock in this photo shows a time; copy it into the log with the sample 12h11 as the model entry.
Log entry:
8h04
